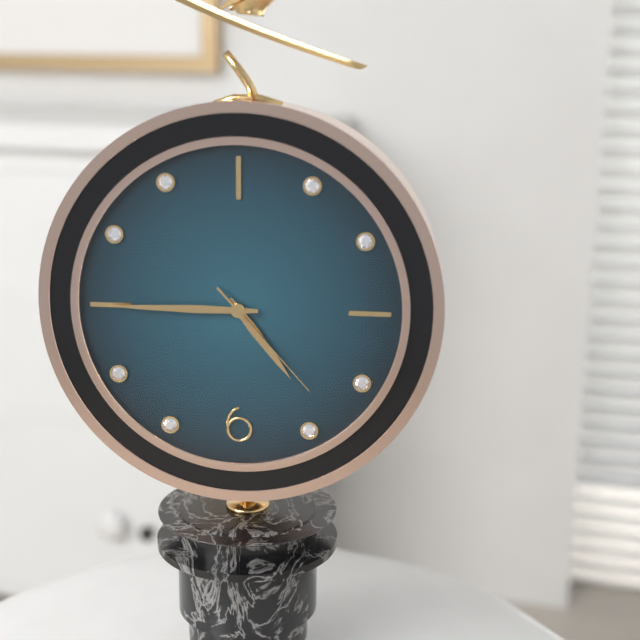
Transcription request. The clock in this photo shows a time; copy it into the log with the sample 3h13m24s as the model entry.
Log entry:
4h45m23s
